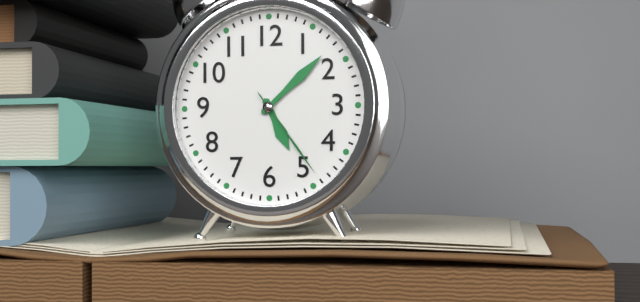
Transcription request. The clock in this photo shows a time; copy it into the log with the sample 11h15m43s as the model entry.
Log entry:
5h08m24s
